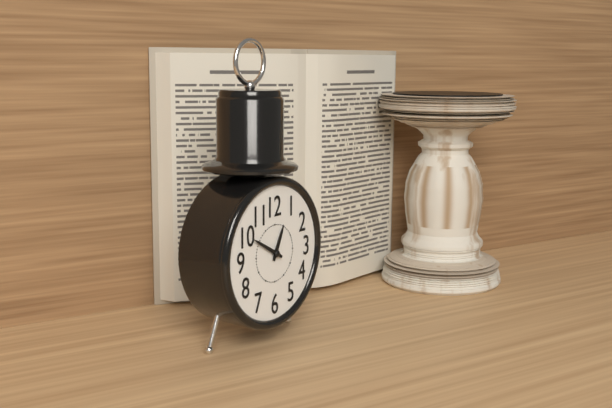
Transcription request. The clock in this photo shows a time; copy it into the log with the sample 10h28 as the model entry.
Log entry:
12h50
